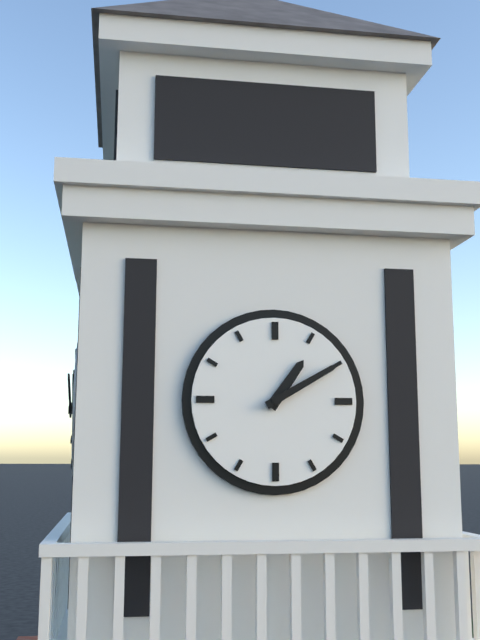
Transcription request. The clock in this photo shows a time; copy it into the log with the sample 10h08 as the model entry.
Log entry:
1h10
